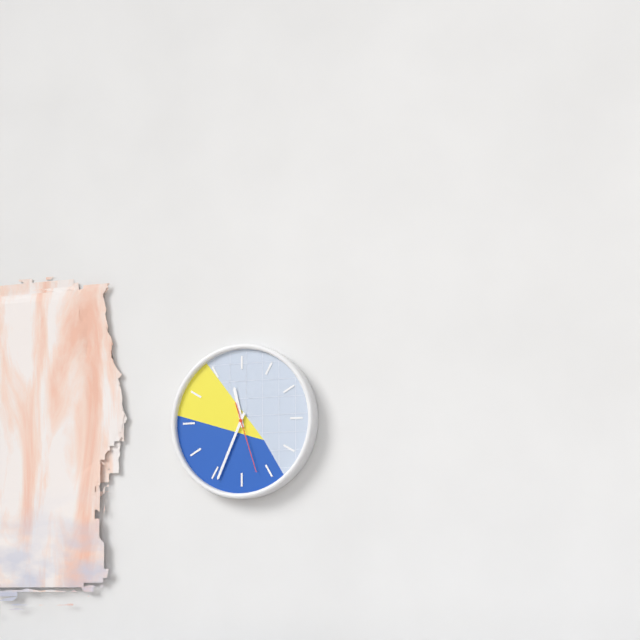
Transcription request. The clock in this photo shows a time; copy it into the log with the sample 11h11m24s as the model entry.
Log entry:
11h34m27s
